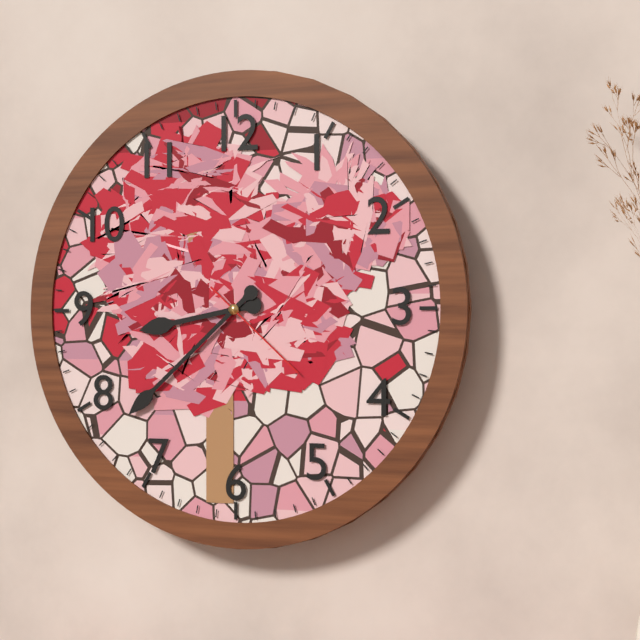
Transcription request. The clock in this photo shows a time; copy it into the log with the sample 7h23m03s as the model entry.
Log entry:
8h38m22s
